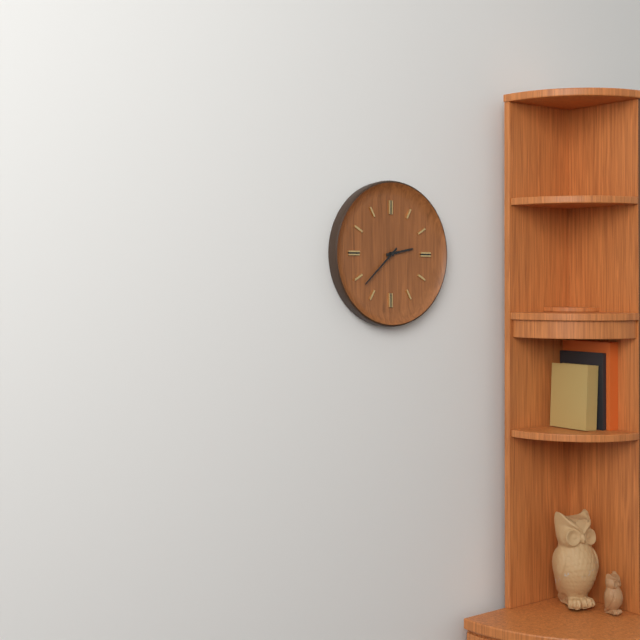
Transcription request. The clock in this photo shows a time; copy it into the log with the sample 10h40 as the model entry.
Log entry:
2h38
